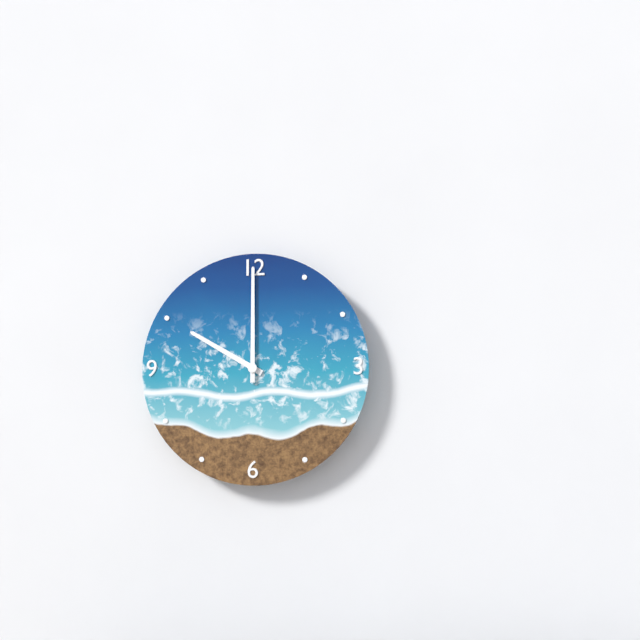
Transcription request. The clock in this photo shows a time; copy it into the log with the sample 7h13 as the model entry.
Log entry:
10h00
